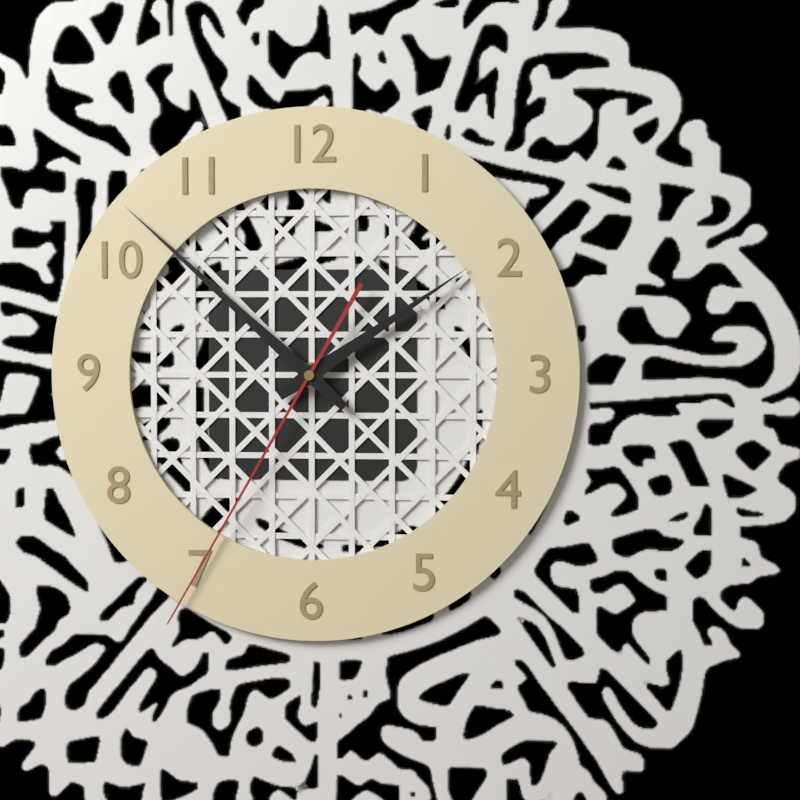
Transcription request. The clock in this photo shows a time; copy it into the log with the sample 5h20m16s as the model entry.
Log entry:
1h52m35s
